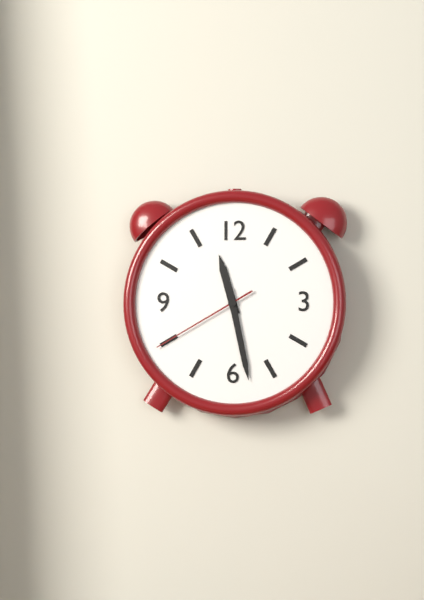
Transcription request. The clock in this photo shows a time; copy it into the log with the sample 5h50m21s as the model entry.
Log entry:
11h28m40s
